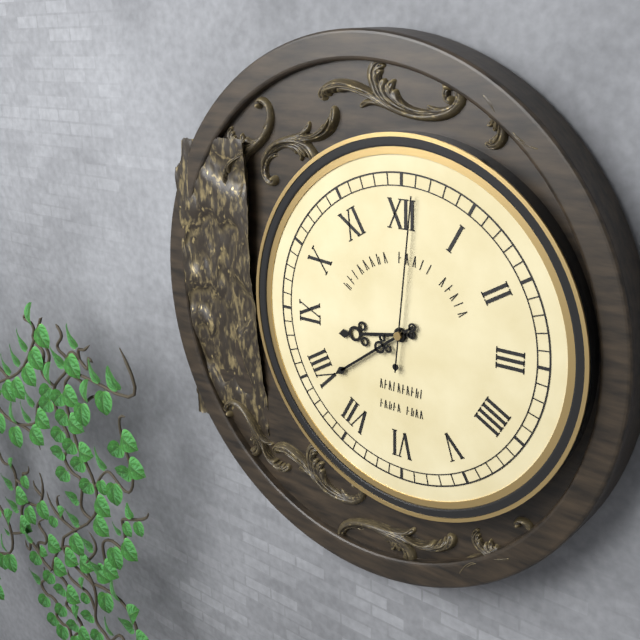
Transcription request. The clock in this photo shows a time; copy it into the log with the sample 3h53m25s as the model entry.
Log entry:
8h39m01s
